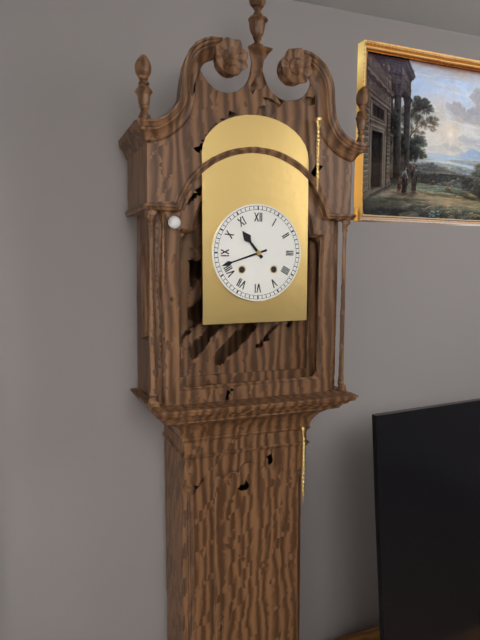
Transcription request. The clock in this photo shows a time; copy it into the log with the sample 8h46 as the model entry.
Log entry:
10h42
